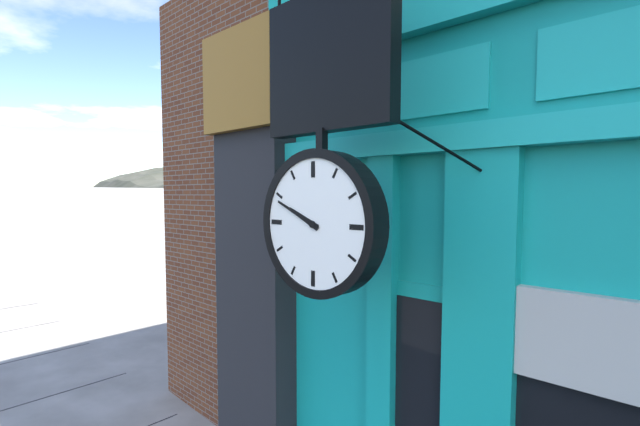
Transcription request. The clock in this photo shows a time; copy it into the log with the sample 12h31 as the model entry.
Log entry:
9h49
